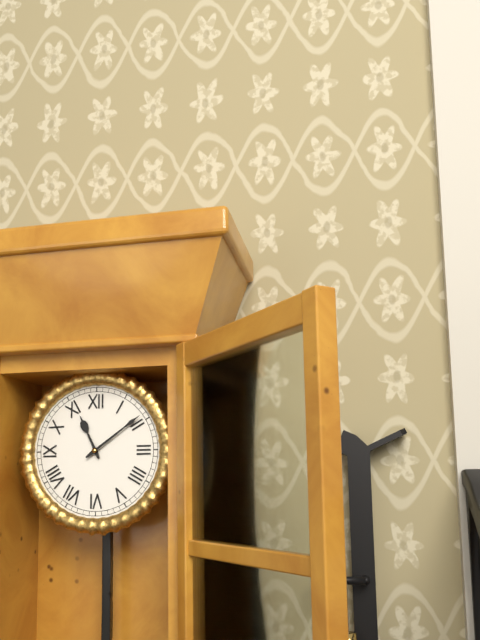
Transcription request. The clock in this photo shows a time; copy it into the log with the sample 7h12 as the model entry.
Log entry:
11h09
